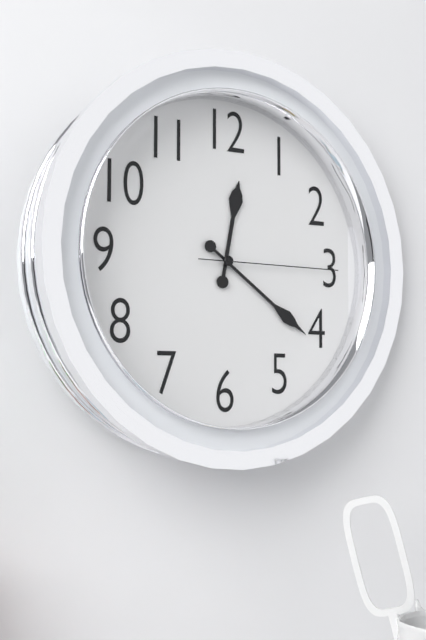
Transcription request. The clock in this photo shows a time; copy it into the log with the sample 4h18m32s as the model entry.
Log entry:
12h21m15s
